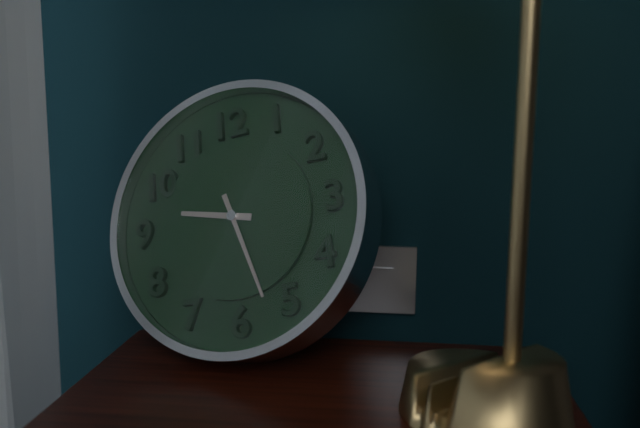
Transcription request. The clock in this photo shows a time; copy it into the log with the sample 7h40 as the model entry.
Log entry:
9h27
